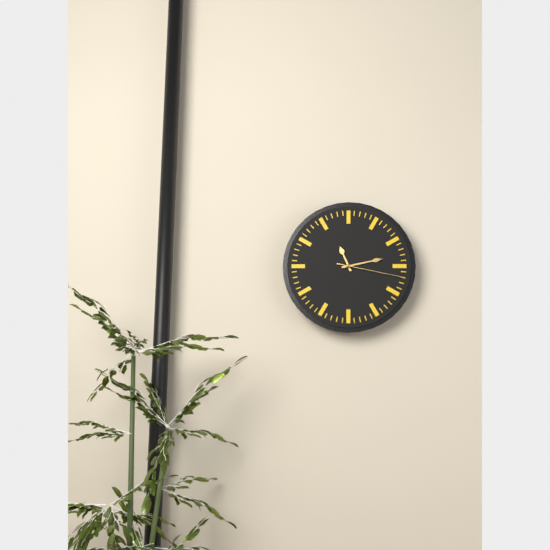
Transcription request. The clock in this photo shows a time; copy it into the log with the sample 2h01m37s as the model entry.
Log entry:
11h13m17s
